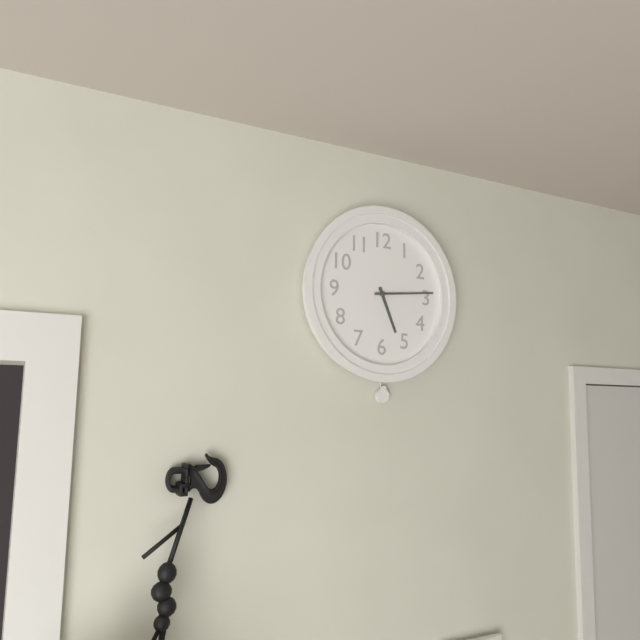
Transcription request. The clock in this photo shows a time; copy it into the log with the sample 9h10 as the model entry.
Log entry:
5h14
